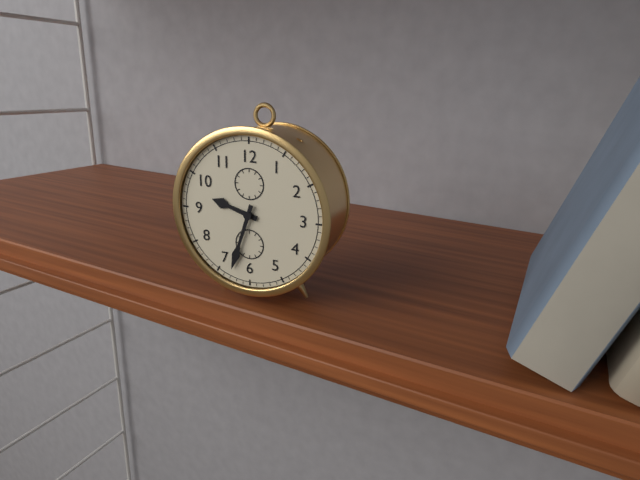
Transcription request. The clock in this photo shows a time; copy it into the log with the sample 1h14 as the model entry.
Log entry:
9h33
